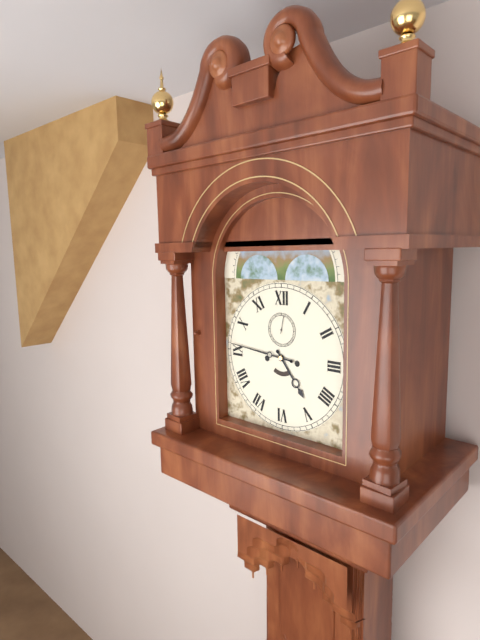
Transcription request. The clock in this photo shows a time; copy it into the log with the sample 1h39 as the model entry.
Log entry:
4h46
